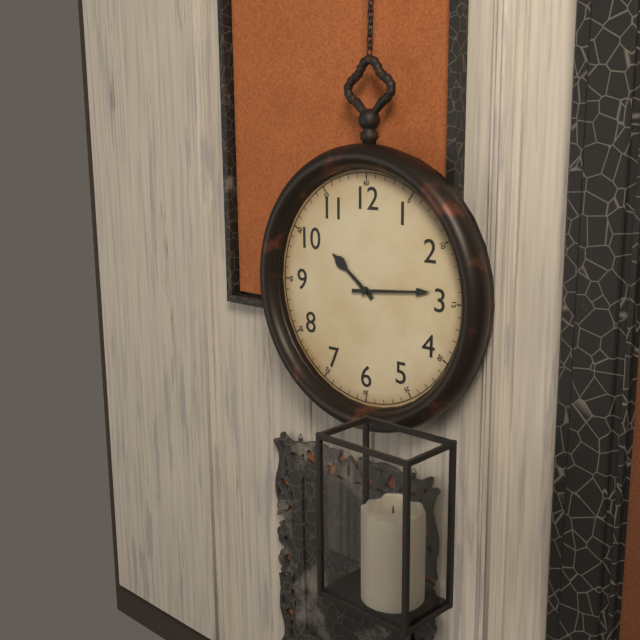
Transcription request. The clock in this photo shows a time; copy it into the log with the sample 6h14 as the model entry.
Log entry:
10h14
